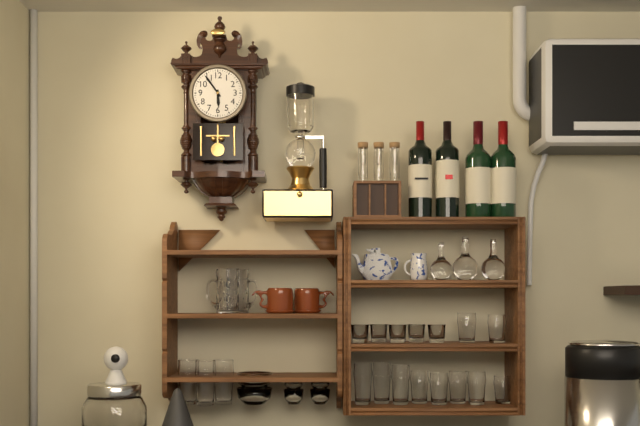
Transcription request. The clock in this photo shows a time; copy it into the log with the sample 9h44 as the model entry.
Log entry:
5h54
